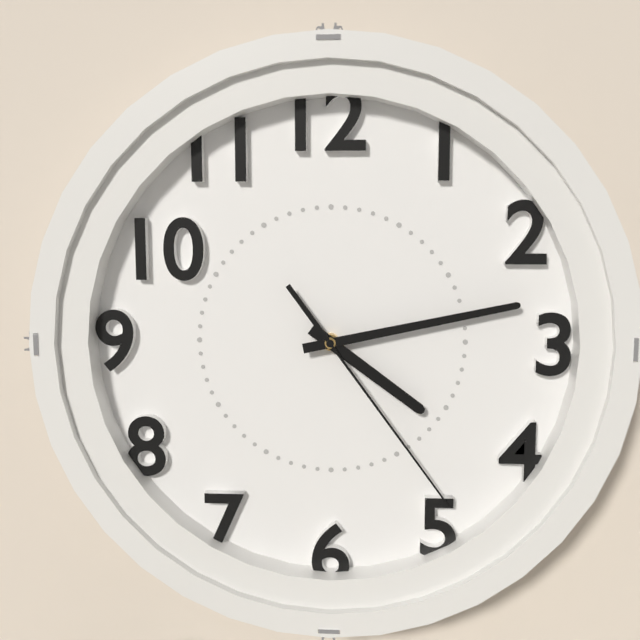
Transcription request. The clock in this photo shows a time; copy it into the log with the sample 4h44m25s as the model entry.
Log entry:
4h13m24s
